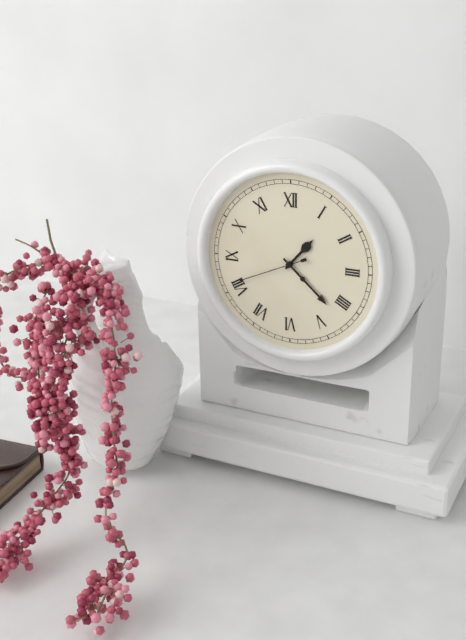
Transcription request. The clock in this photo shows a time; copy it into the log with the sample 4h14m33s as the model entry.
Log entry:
1h22m41s
